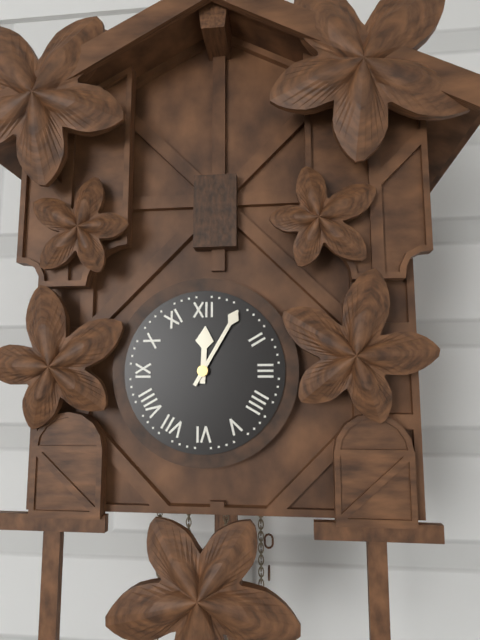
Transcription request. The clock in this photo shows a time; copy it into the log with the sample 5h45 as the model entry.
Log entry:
12h05
